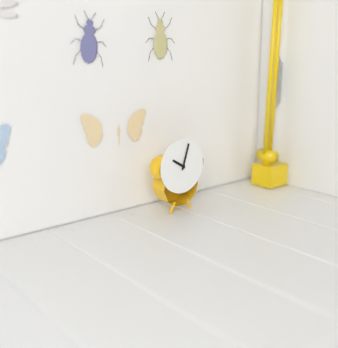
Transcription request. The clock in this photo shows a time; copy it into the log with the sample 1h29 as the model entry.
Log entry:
10h03
